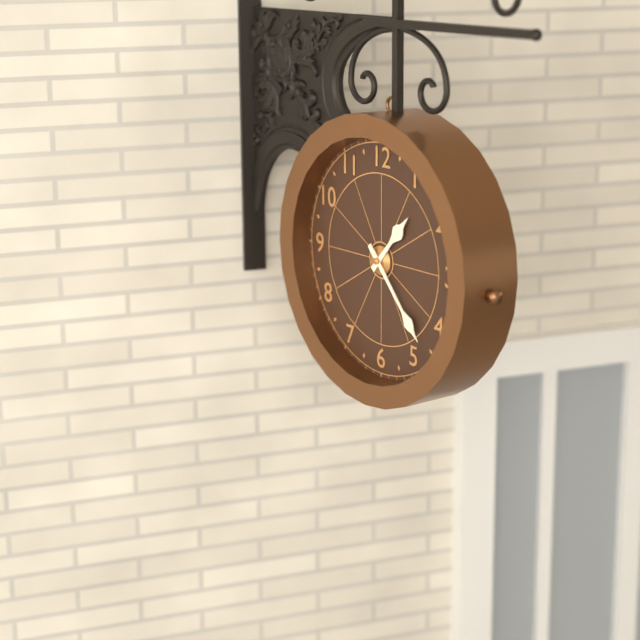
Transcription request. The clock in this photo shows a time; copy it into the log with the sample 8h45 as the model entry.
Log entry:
1h23
